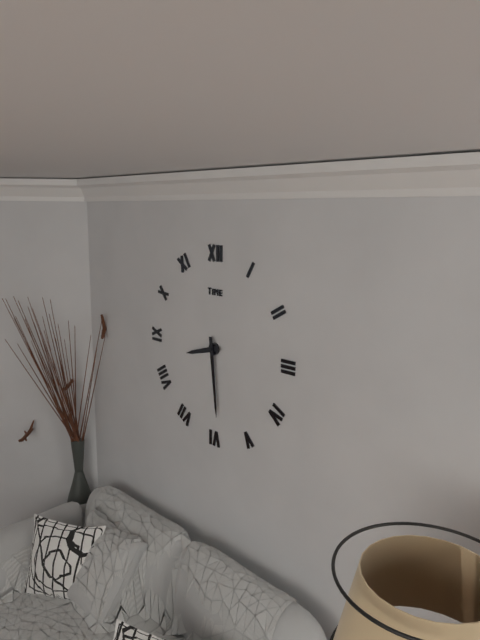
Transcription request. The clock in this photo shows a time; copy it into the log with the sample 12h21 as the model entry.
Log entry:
8h29
